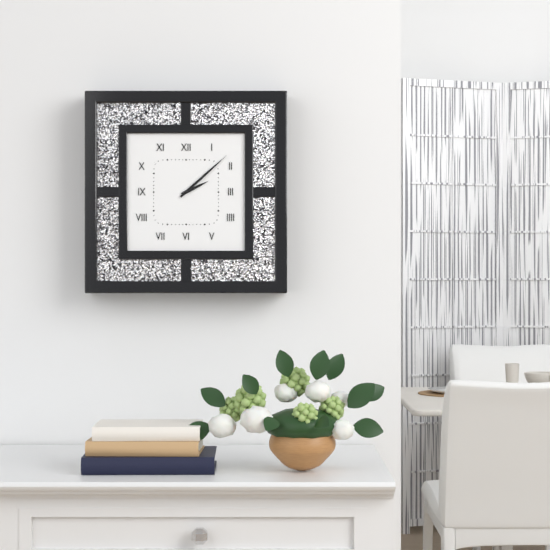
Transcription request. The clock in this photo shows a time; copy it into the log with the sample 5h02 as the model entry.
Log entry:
2h08
